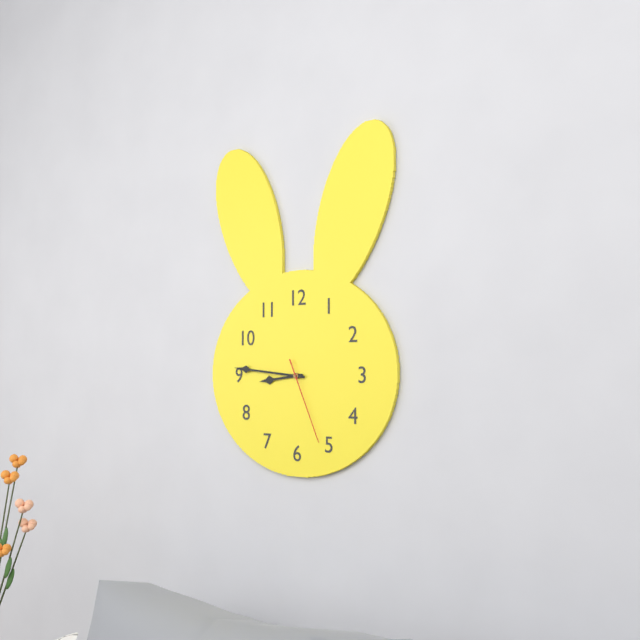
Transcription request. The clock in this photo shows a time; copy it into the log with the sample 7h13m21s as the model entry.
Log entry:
8h46m26s
